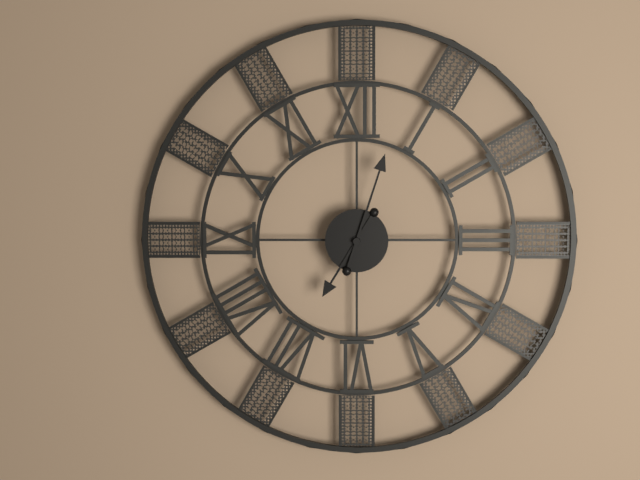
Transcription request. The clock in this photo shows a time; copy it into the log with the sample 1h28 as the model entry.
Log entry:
7h03
